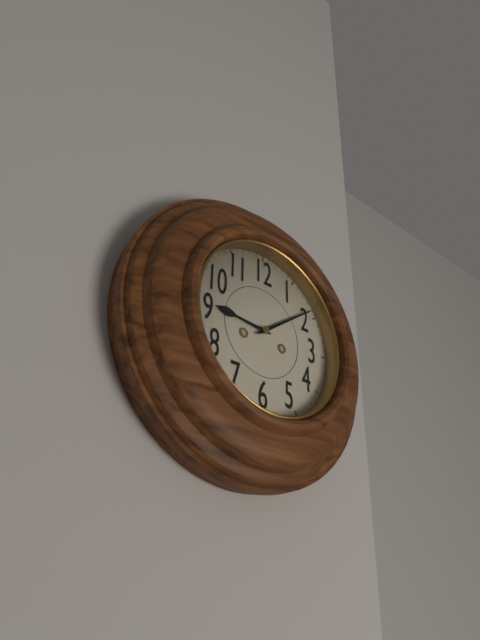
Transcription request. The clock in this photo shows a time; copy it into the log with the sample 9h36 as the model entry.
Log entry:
9h09
